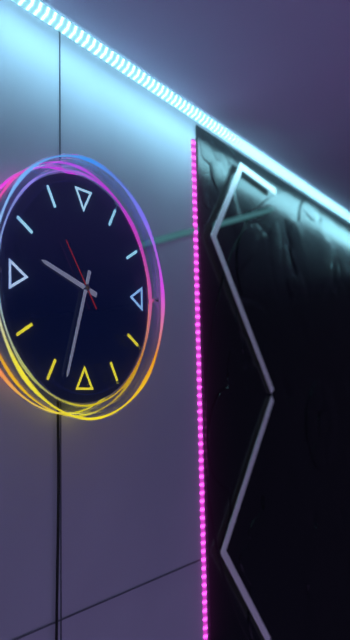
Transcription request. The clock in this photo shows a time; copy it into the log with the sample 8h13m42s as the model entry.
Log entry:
9h33m54s
